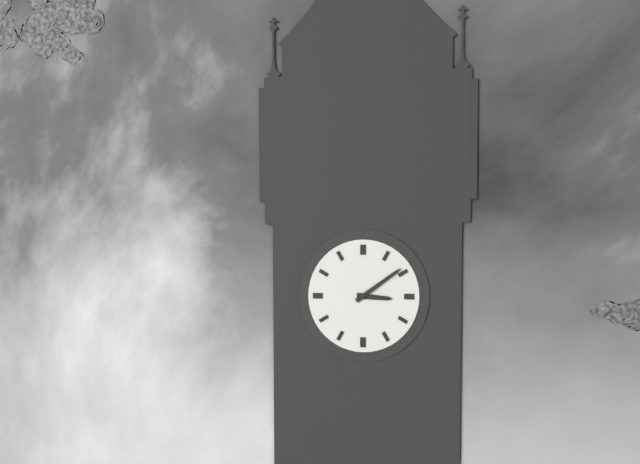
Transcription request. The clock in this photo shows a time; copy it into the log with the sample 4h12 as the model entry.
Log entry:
3h09
